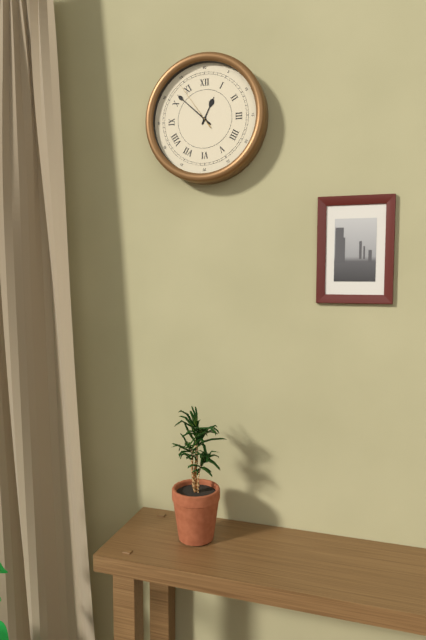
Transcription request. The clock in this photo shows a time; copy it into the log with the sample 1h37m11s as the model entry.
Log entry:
12h52m54s
